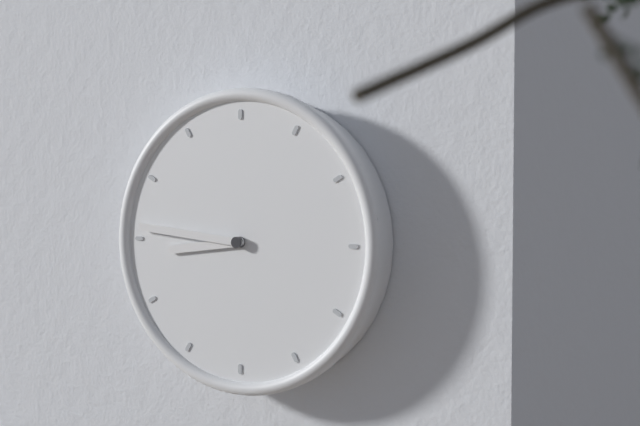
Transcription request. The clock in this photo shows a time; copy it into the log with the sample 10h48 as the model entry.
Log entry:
8h46
